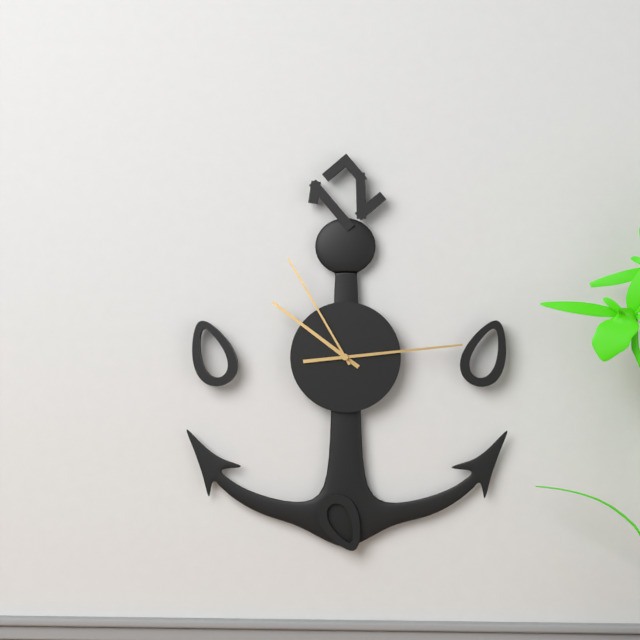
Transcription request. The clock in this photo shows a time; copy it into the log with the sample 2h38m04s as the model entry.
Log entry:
10h14m55s
